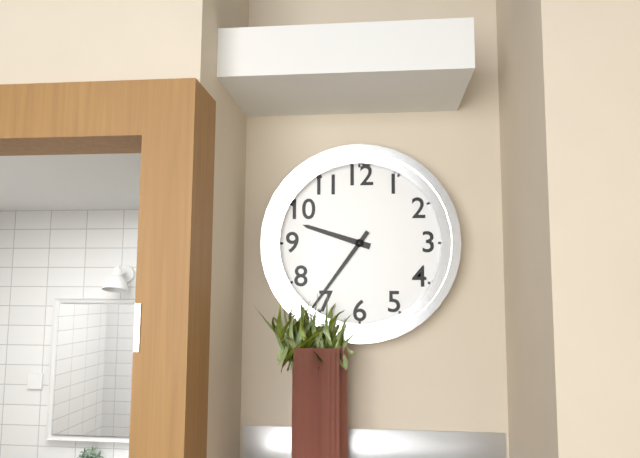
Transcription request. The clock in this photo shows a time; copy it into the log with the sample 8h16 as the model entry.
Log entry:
9h36
